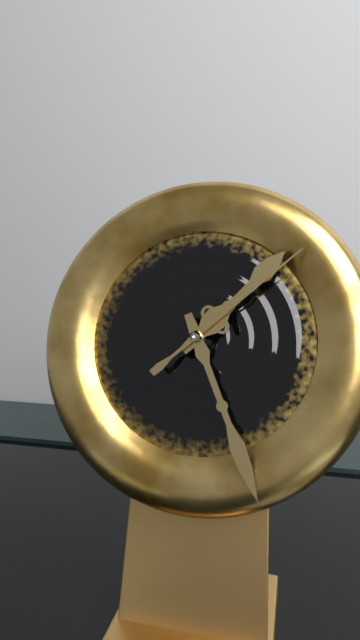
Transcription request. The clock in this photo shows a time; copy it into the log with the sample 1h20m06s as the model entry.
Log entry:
1h26m08s
